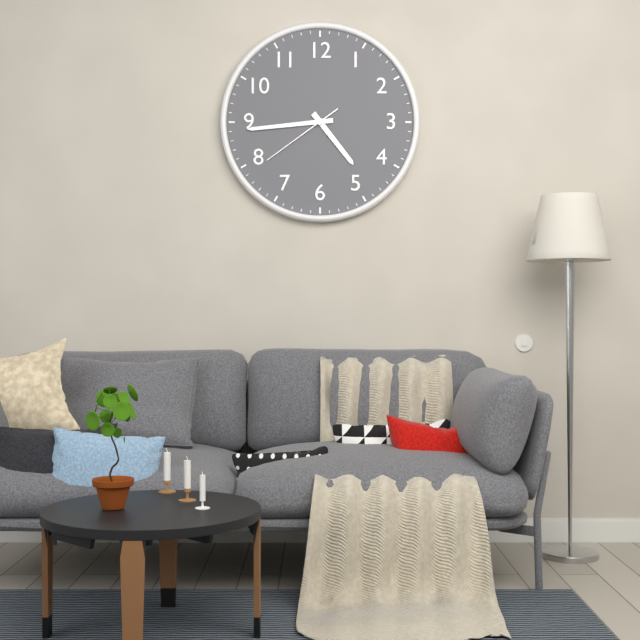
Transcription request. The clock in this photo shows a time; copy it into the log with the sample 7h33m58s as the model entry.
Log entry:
4h44m39s
